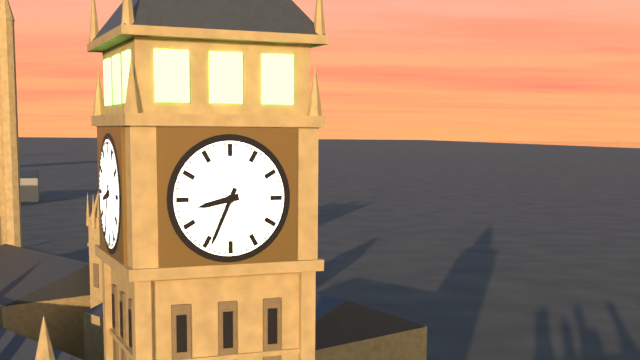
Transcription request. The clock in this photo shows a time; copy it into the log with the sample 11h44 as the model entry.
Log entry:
8h34
